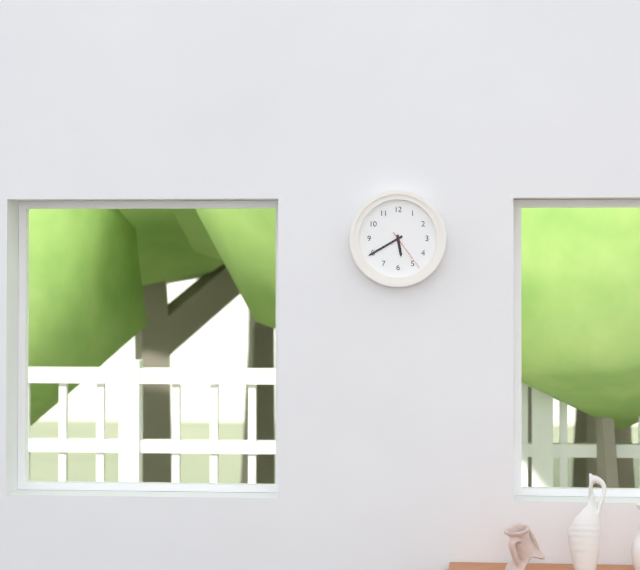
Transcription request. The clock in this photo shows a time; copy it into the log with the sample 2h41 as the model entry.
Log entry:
5h40
